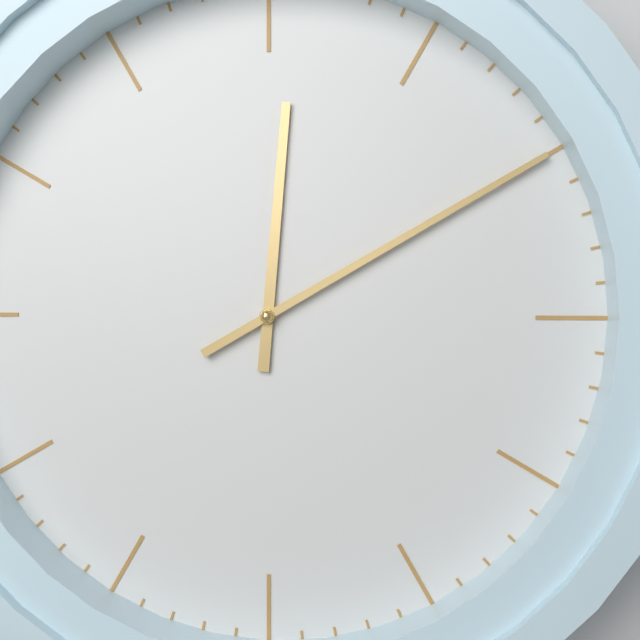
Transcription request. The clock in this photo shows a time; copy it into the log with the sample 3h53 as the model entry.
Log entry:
12h10
